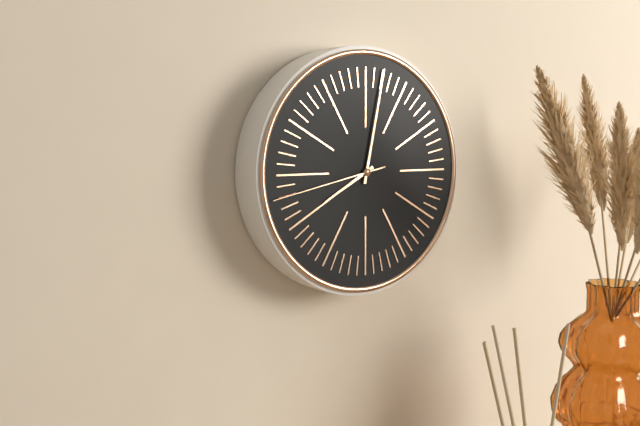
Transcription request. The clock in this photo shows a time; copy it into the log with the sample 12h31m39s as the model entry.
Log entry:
8h02m43s
